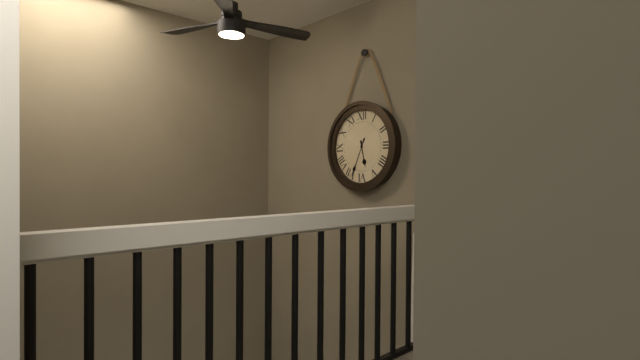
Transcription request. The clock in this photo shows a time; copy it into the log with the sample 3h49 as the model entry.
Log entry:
5h34
